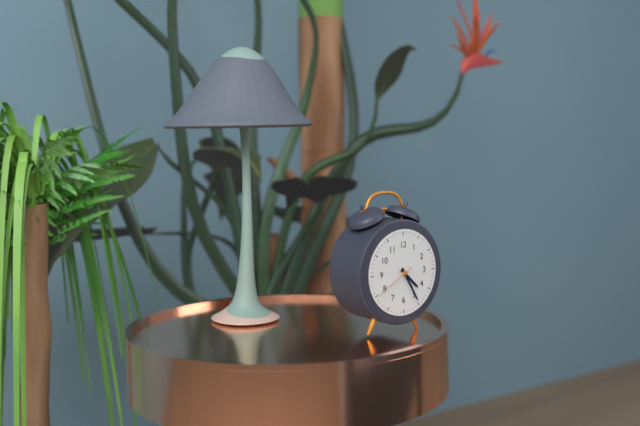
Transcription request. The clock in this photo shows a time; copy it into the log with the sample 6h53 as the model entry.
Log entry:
4h25
